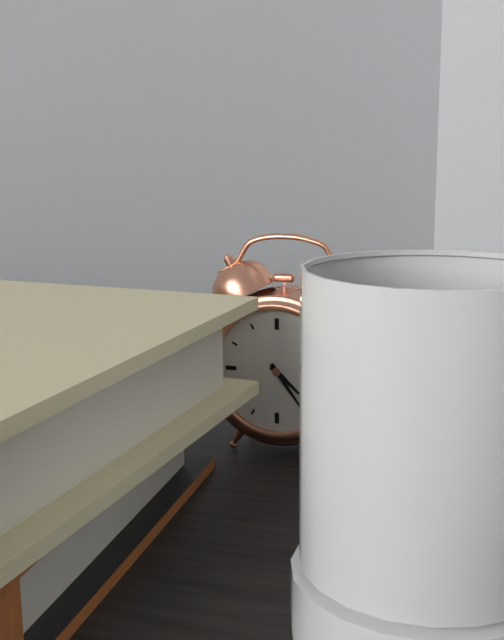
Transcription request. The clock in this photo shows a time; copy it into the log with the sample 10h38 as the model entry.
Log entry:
4h24
